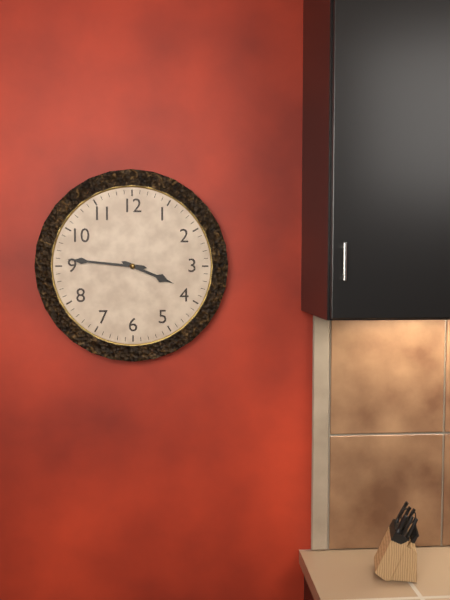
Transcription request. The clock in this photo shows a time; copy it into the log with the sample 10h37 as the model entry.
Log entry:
3h46
